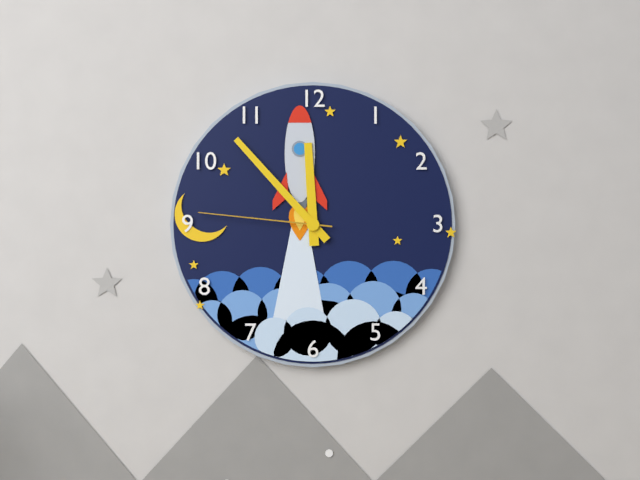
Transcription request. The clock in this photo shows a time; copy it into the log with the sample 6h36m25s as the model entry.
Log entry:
11h53m46s
